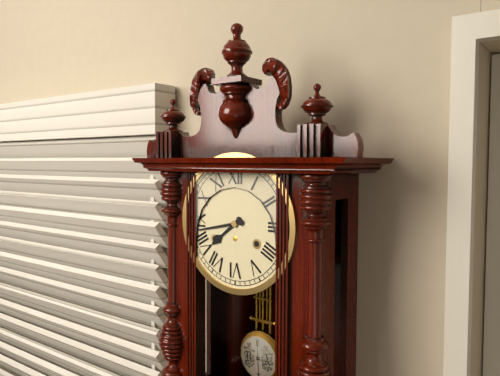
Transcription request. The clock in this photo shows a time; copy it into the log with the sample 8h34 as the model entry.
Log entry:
7h43
